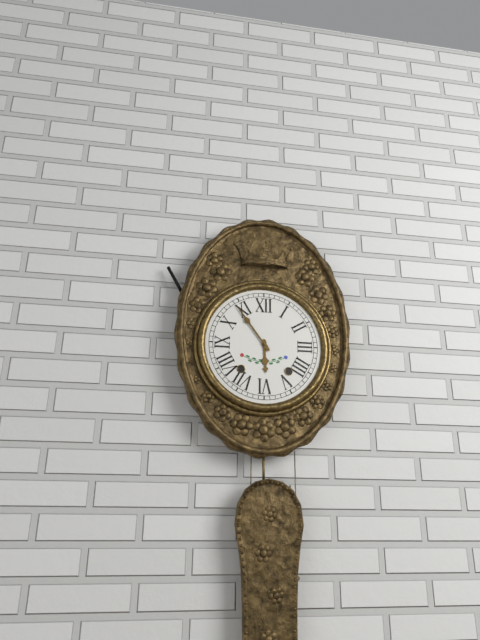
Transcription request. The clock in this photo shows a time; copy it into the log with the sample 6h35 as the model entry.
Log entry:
5h54
